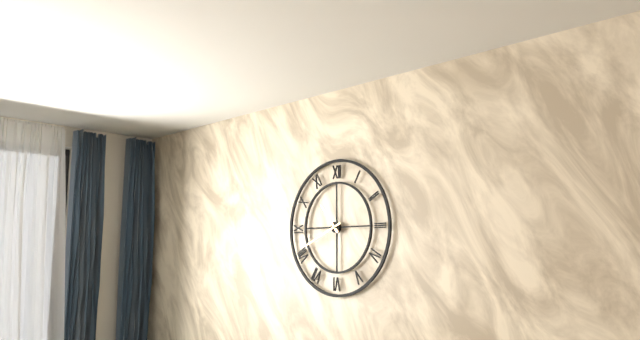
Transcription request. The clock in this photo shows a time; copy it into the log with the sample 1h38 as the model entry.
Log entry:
10h41
